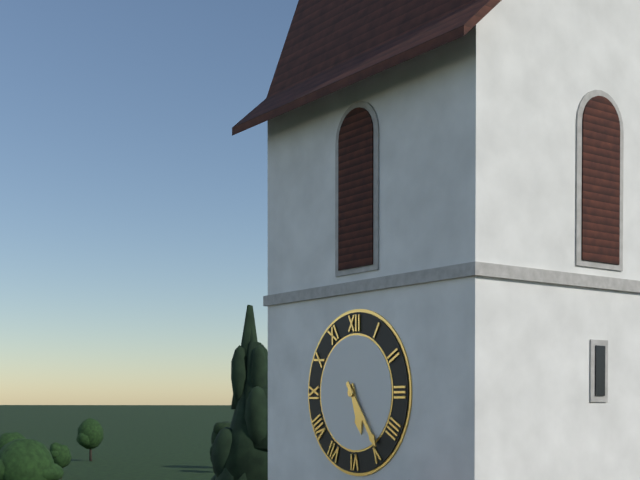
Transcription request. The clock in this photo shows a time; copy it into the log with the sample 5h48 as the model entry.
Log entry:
5h24
